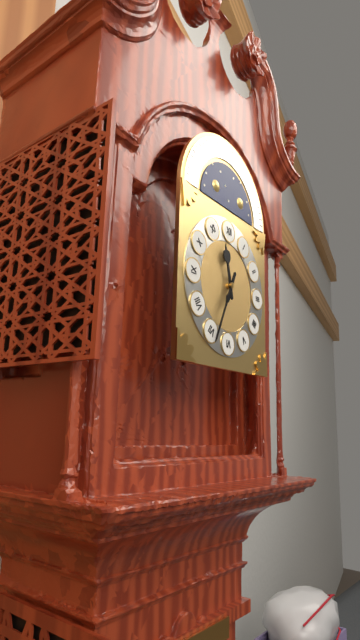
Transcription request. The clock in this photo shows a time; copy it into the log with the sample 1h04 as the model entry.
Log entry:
11h34
